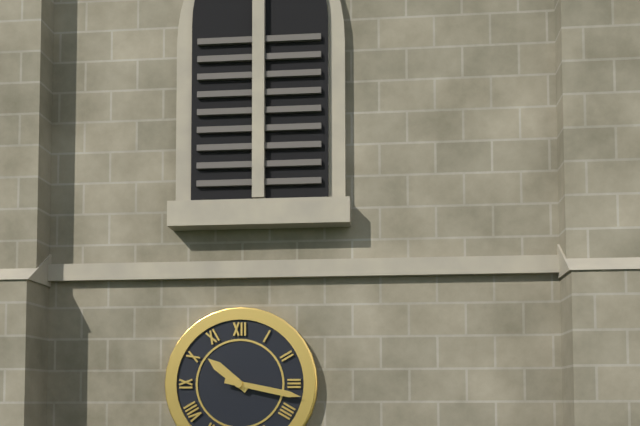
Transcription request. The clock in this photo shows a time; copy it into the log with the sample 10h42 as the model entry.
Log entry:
10h17
